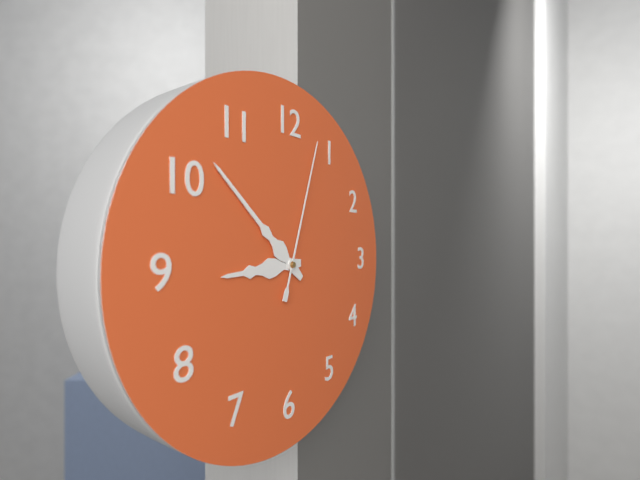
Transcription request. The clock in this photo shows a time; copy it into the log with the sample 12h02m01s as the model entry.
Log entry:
8h52m03s
